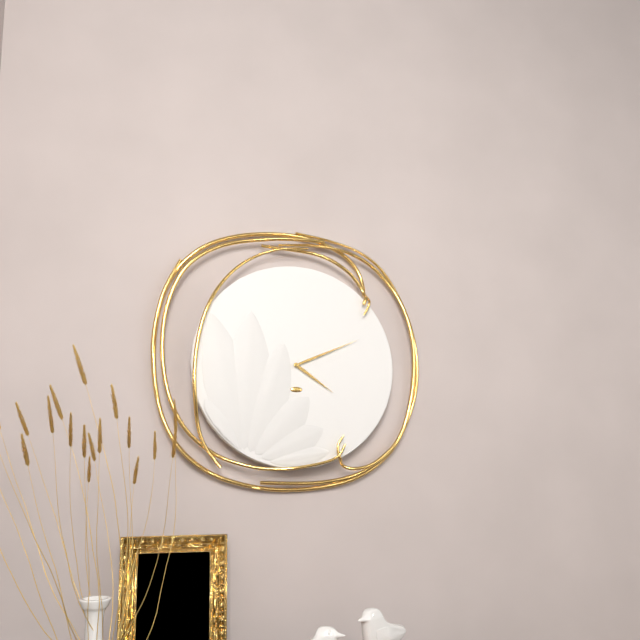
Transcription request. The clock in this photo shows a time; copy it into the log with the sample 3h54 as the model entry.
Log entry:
4h11
